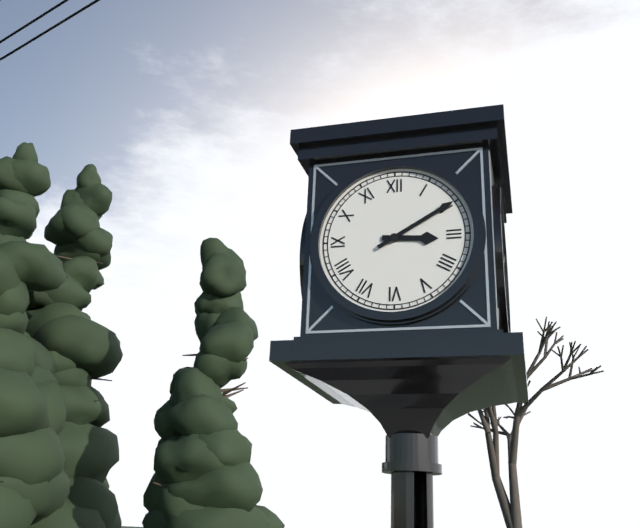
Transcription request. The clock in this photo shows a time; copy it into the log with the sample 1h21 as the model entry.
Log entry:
3h10
